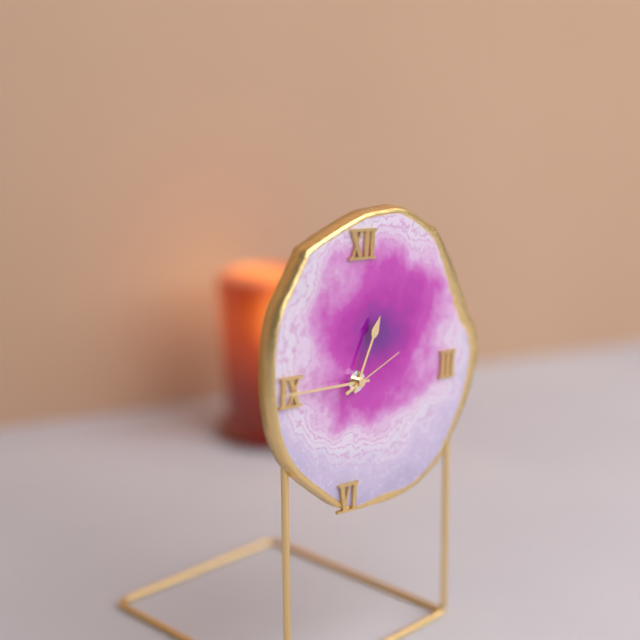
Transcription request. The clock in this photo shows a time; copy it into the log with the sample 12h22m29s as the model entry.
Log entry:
12h45m11s
